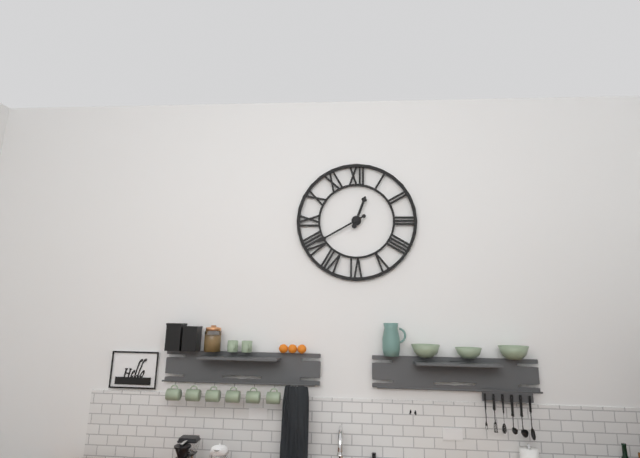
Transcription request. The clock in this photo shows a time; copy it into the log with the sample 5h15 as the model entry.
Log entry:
12h40
